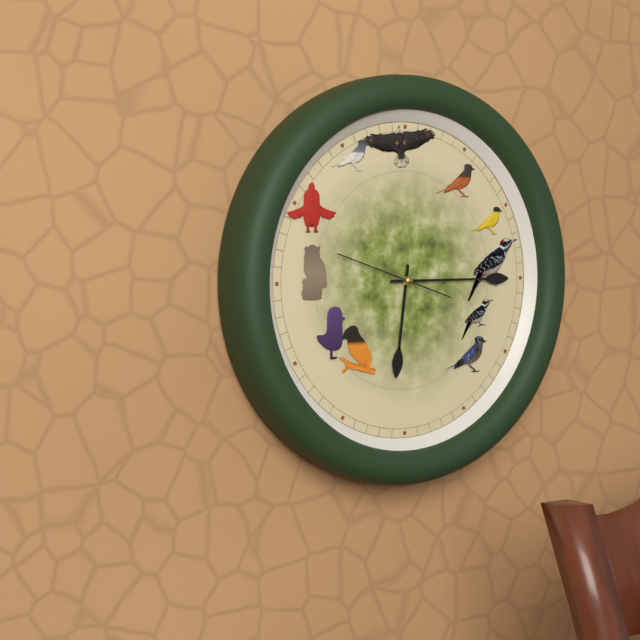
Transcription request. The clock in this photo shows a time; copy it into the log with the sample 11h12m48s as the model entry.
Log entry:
6h15m48s
